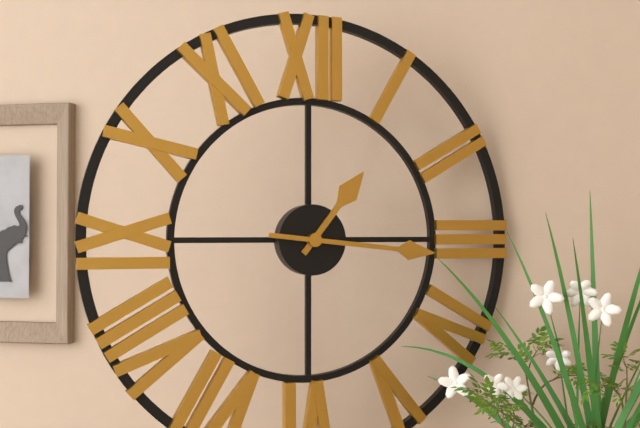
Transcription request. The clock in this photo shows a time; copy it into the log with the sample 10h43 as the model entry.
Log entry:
1h16
